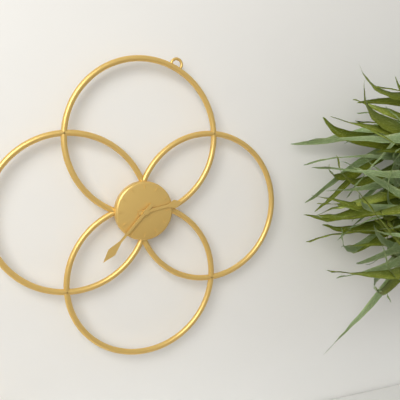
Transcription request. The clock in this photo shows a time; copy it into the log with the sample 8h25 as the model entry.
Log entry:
2h37
